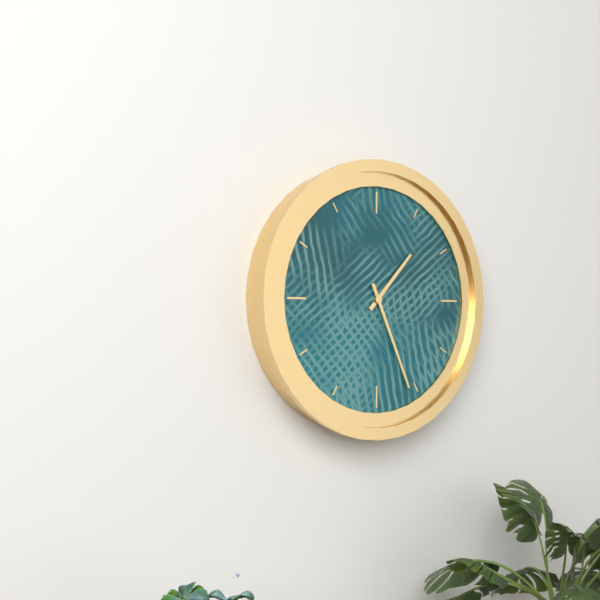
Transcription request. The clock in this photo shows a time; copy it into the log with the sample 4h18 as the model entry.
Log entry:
1h26
